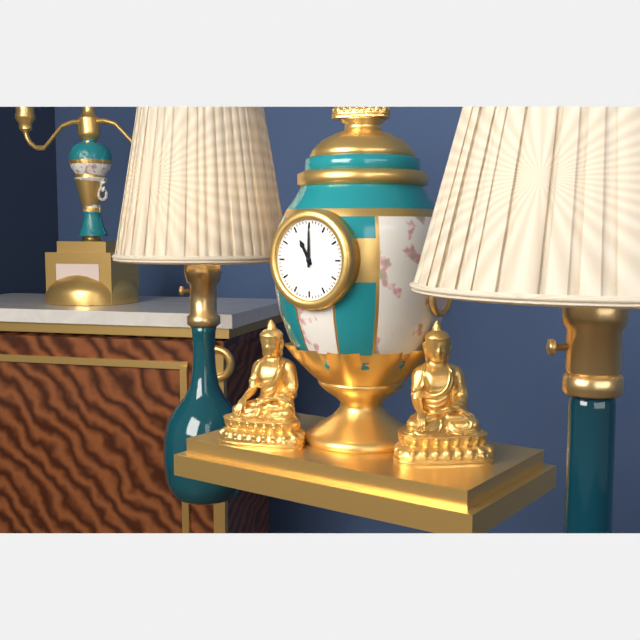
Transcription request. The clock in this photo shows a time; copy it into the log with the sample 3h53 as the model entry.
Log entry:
11h00
